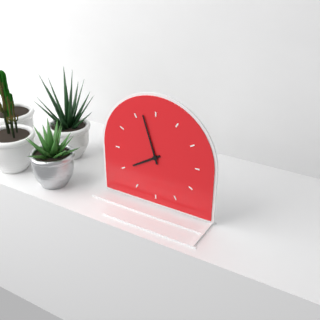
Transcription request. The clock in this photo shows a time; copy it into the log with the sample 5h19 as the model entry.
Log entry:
7h57
